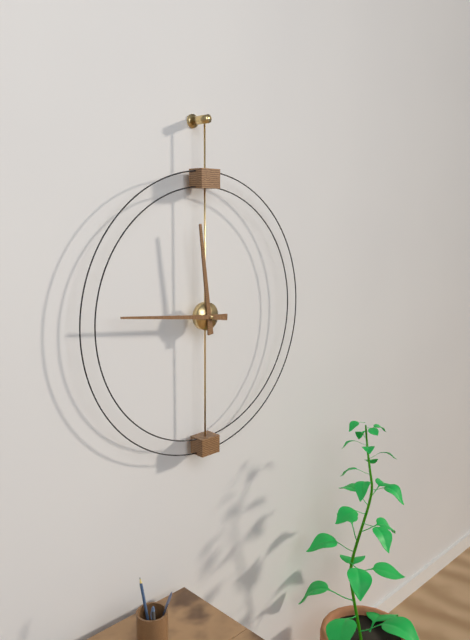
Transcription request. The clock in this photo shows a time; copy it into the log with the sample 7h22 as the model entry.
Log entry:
11h46
